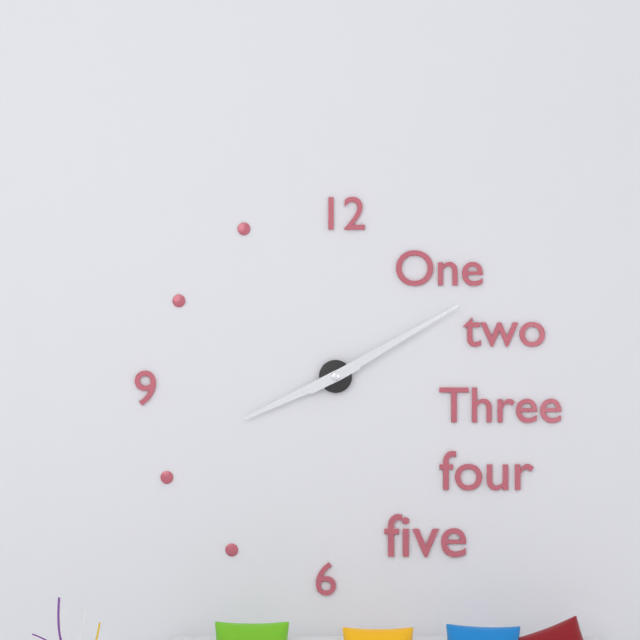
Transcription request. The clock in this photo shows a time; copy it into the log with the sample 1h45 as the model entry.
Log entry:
8h10
